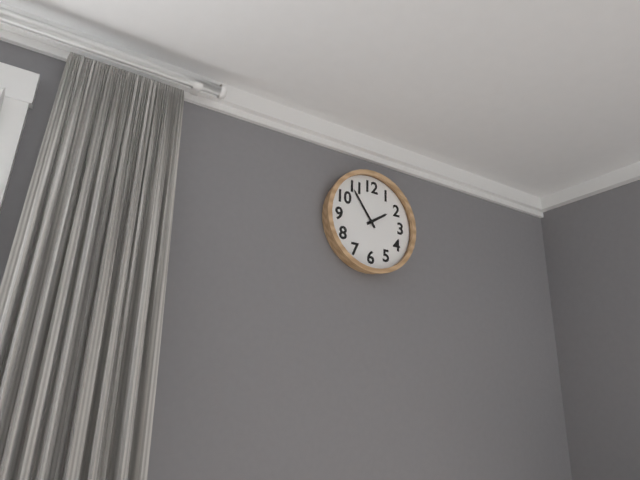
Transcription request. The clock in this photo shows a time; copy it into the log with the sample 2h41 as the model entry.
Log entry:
1h54
